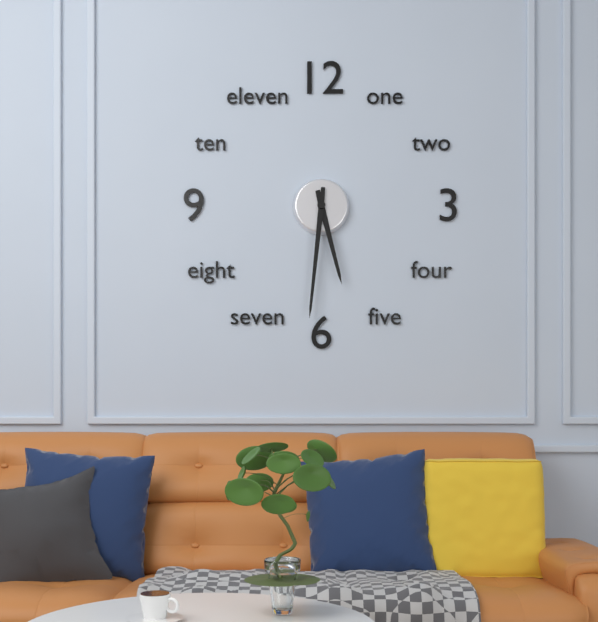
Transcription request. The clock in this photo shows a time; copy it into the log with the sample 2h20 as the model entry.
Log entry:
5h31
